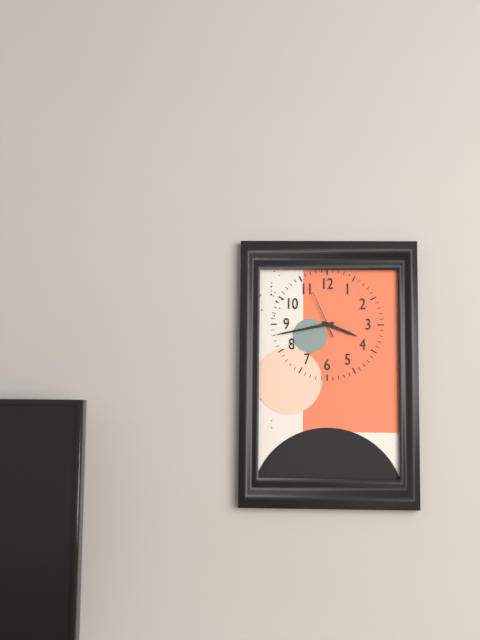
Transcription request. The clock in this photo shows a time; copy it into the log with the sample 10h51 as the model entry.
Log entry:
3h43
